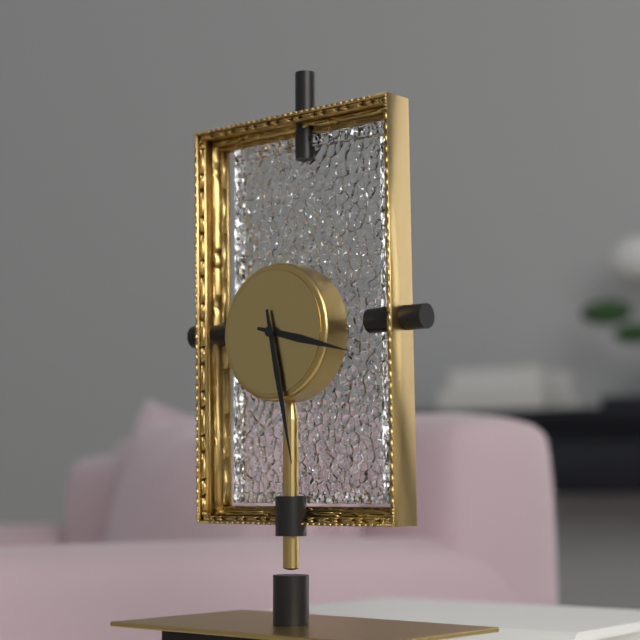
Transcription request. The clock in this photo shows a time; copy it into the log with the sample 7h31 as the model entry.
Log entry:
3h28
